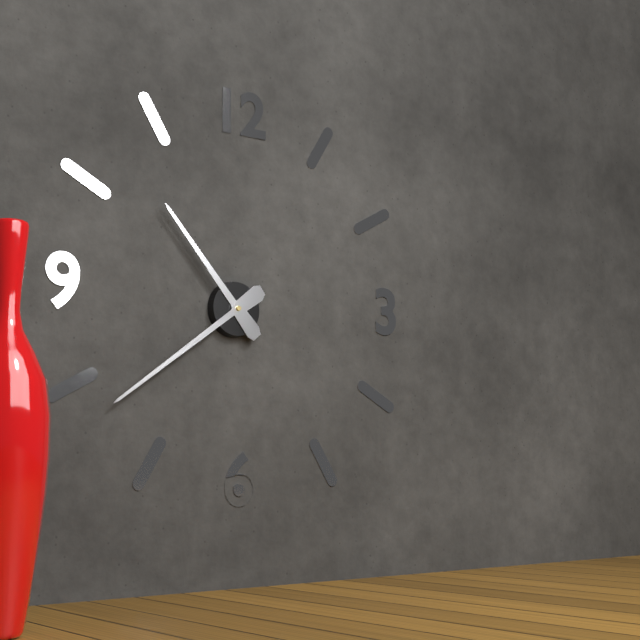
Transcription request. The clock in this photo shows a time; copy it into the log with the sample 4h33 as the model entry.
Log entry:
10h39
